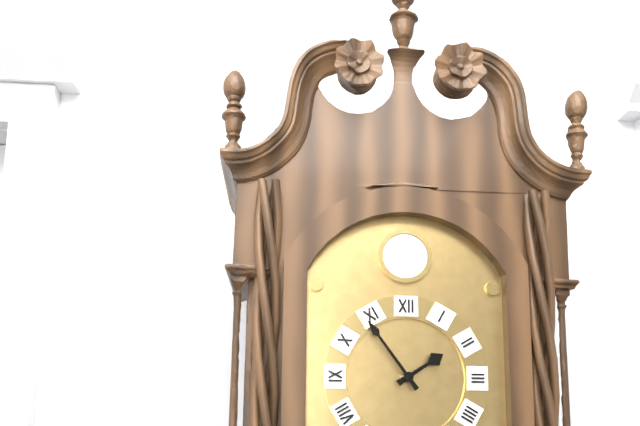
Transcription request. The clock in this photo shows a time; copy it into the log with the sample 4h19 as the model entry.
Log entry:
1h54
